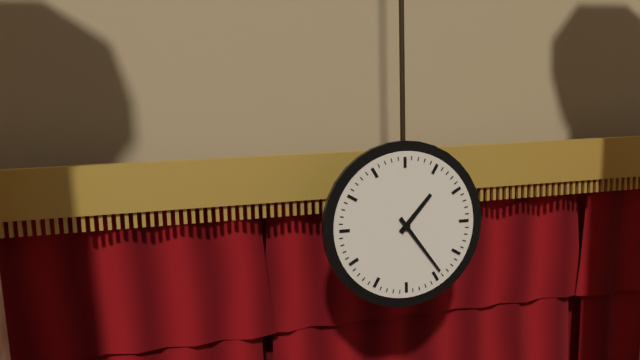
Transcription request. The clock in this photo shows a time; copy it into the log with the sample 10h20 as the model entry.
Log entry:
1h24
